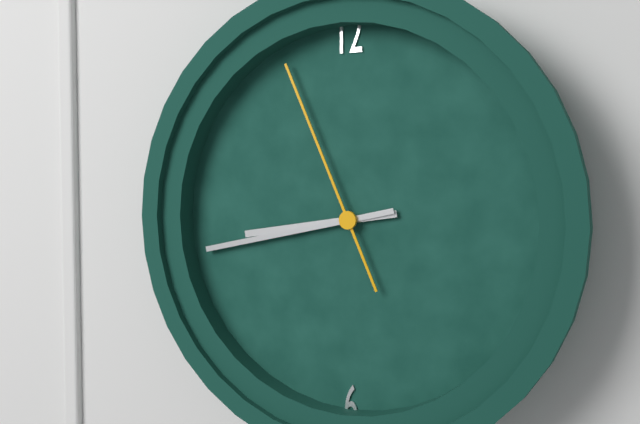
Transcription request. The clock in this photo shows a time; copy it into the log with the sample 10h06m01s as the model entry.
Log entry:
8h43m56s
